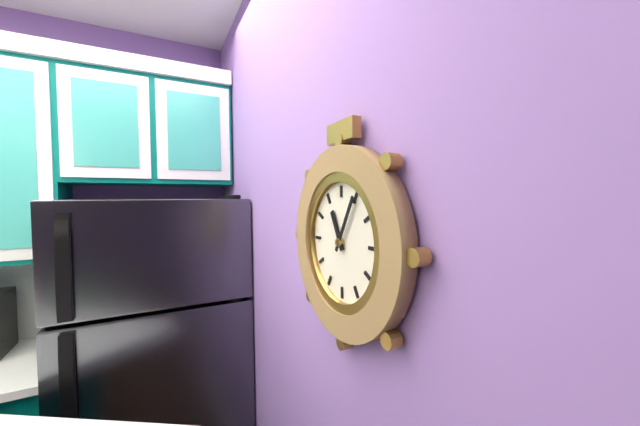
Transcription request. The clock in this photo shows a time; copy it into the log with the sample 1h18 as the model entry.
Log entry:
11h05
